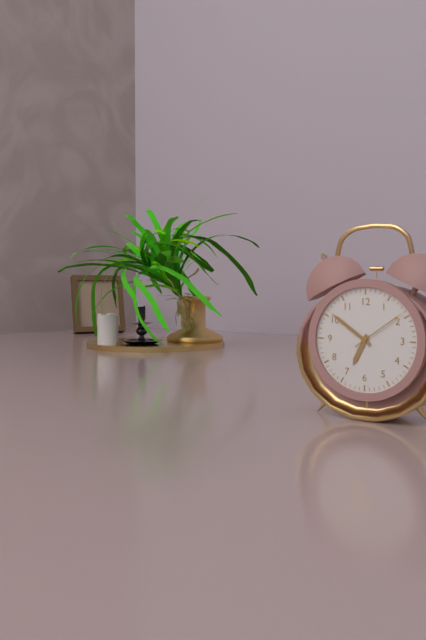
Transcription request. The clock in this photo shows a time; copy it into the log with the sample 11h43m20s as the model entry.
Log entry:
6h51m09s
